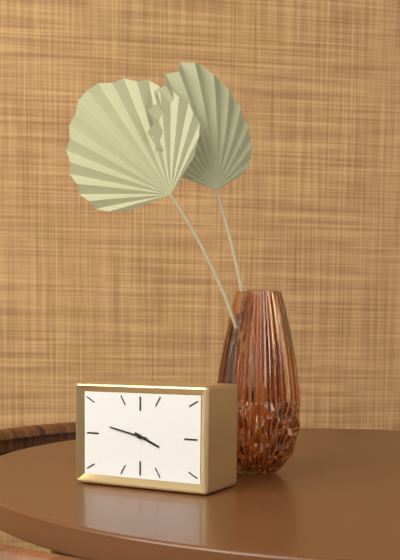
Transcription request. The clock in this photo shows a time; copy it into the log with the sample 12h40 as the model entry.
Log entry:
3h47
